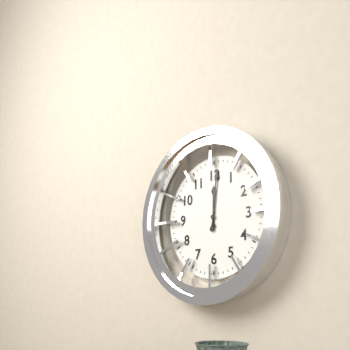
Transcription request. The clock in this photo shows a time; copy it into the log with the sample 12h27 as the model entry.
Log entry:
12h01
